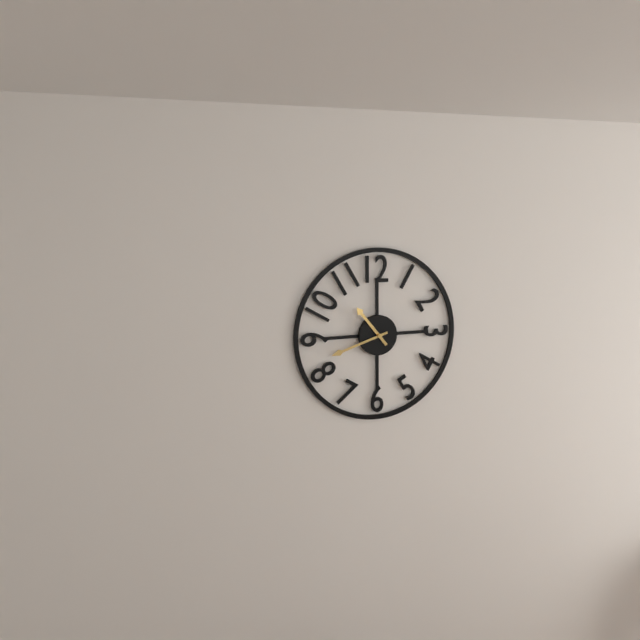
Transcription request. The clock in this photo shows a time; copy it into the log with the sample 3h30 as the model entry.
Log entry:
10h42
